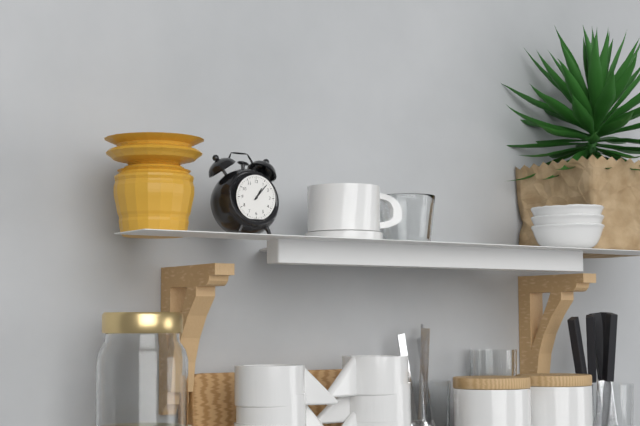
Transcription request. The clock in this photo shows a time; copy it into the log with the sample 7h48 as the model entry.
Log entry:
1h07
